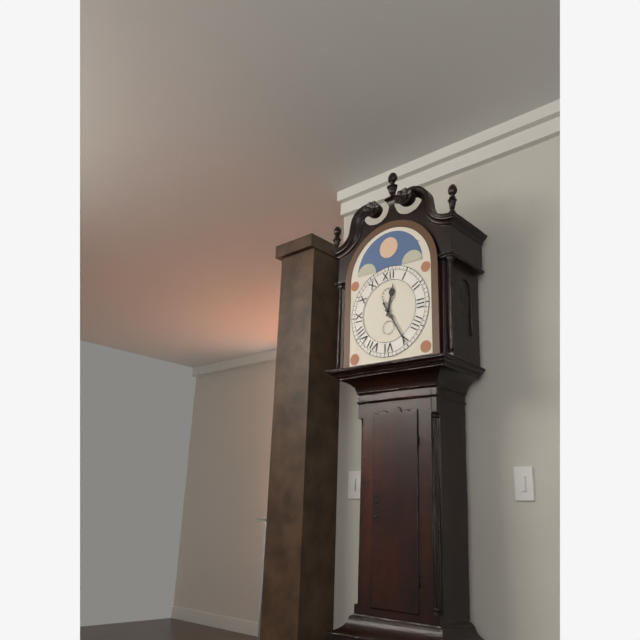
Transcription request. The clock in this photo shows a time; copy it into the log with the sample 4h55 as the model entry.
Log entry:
12h25
